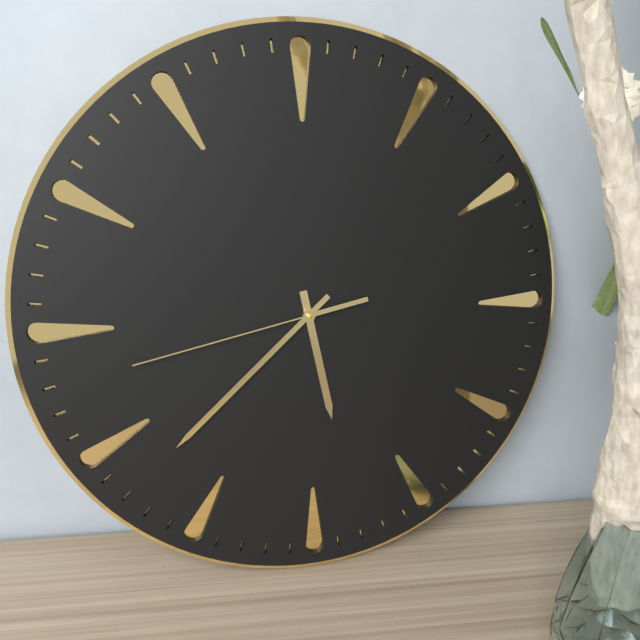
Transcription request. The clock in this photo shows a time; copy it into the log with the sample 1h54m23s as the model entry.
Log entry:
5h38m43s
